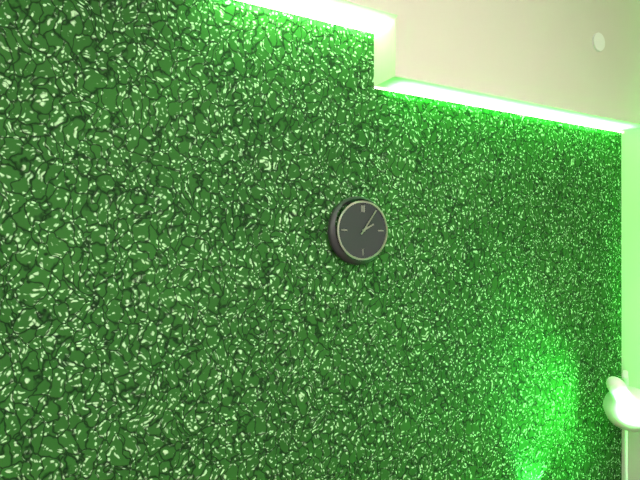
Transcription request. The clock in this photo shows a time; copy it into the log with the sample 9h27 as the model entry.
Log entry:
2h06
